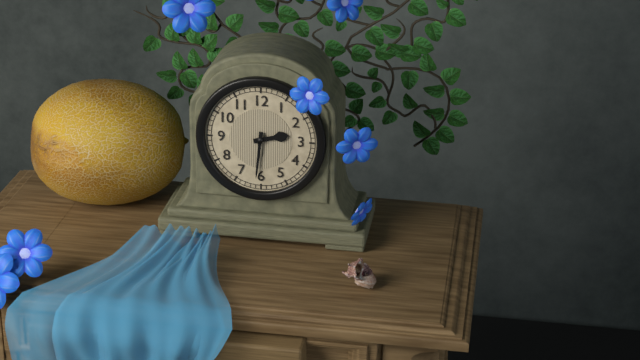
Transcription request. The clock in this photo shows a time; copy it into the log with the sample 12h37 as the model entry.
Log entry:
2h31
